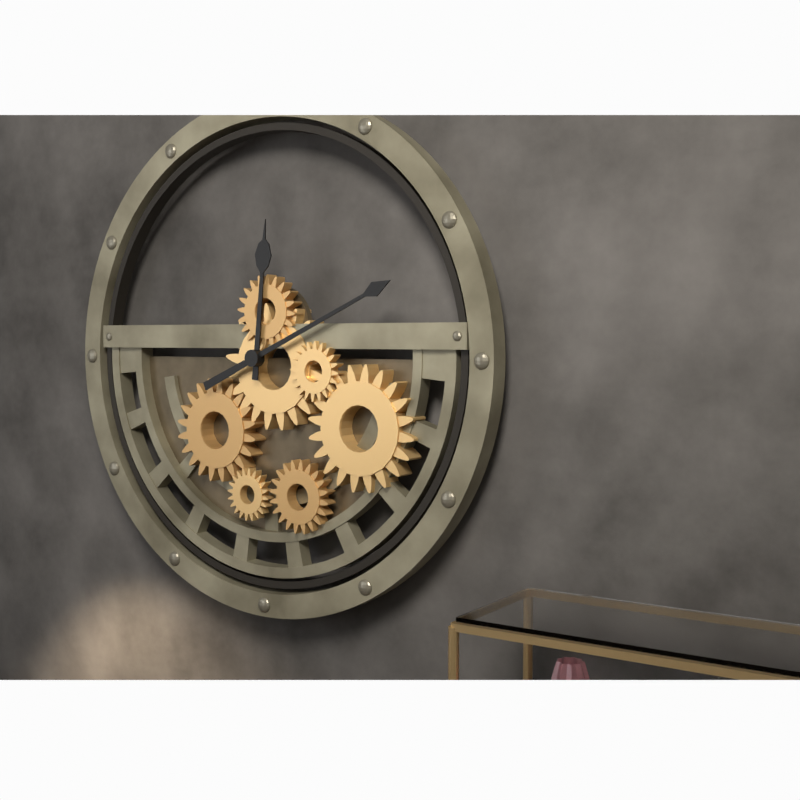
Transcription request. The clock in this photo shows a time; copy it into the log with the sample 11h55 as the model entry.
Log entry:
12h11
